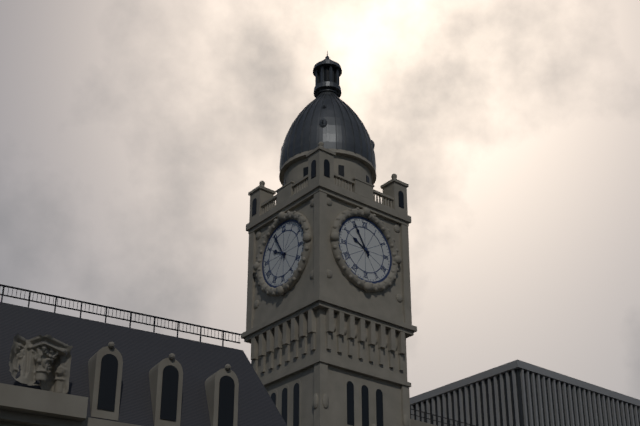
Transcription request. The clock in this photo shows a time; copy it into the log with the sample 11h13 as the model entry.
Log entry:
9h55
